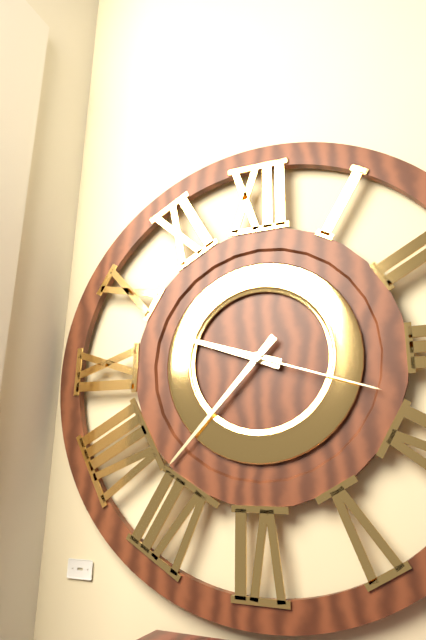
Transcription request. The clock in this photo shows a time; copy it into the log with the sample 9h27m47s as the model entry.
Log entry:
9h37m18s
